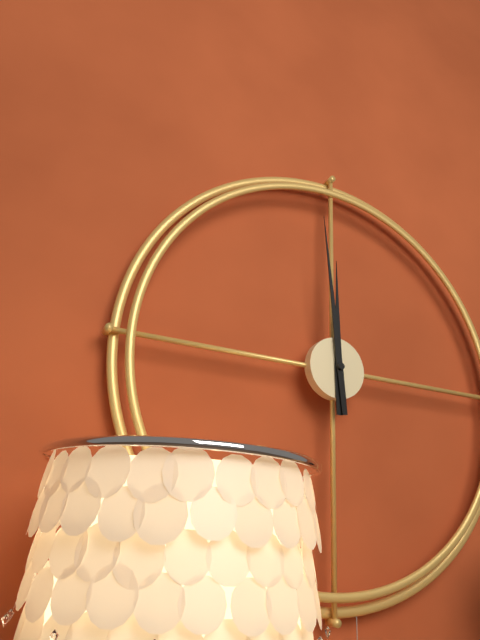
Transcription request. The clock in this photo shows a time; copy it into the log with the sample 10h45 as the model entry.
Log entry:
11h59
